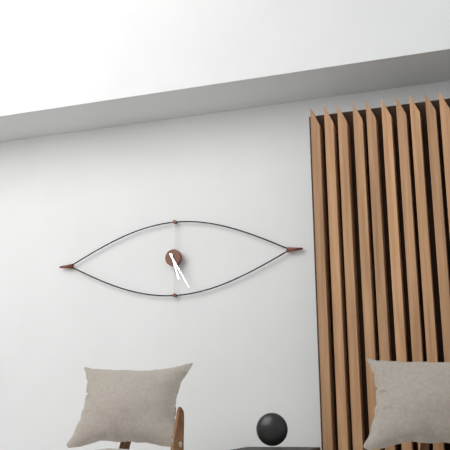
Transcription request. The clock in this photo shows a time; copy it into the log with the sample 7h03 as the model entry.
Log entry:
5h25
